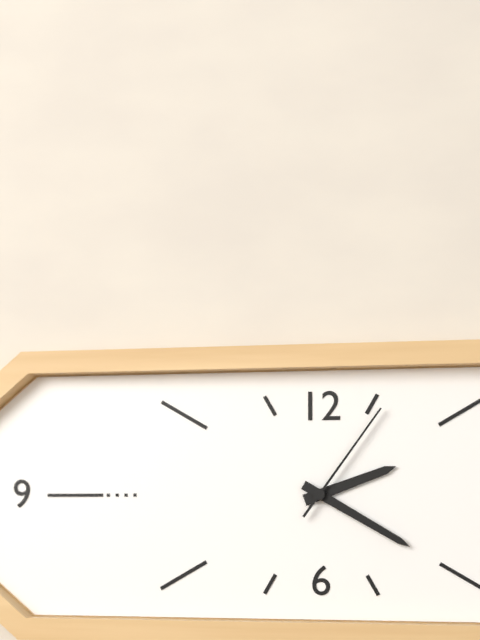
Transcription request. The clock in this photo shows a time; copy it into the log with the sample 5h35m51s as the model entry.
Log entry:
2h20m06s
